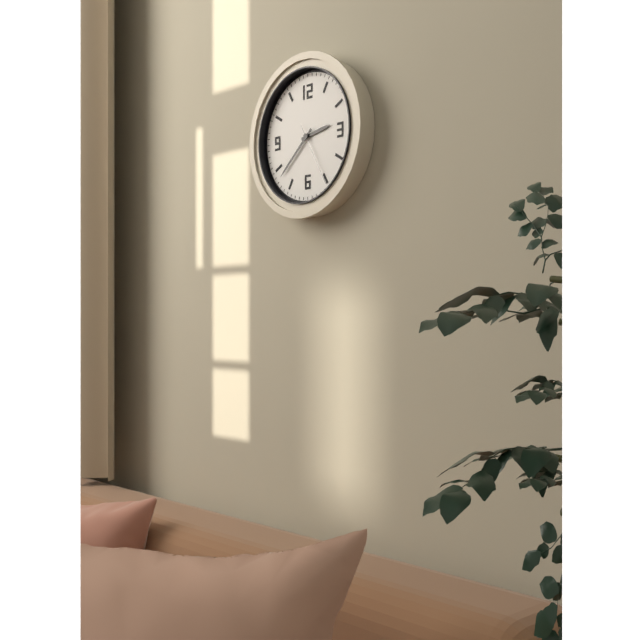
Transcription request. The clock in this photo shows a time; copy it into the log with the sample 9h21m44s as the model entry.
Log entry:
2h38m25s
